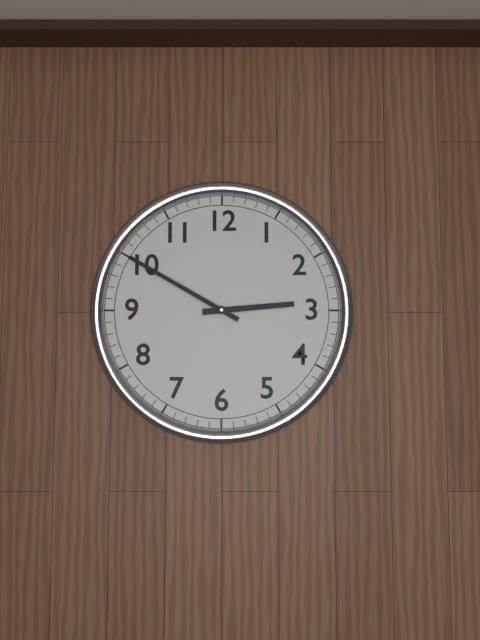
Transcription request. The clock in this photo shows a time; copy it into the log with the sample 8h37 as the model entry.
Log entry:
2h50
